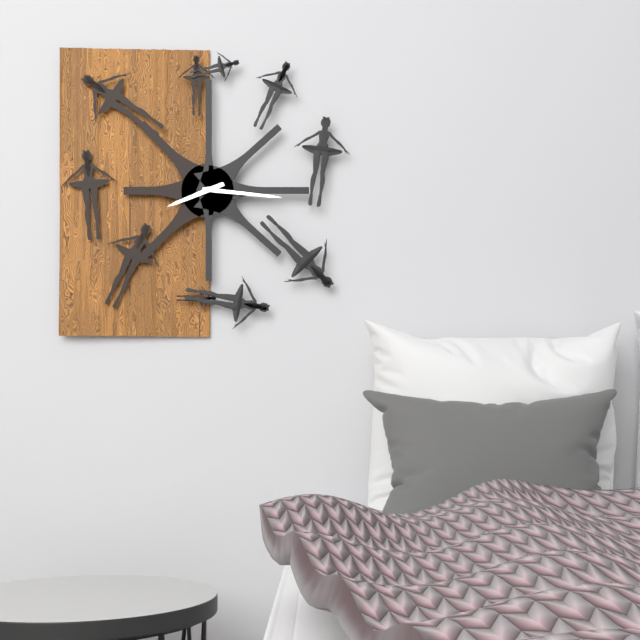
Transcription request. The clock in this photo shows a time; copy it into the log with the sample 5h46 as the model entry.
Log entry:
8h16
